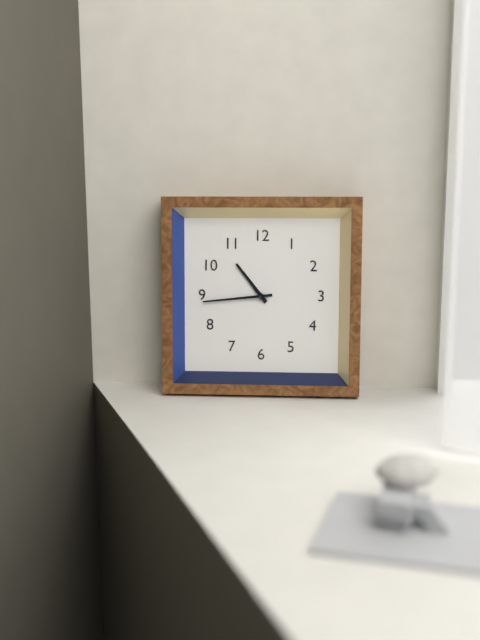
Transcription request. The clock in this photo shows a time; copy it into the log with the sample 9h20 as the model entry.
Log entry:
10h44
